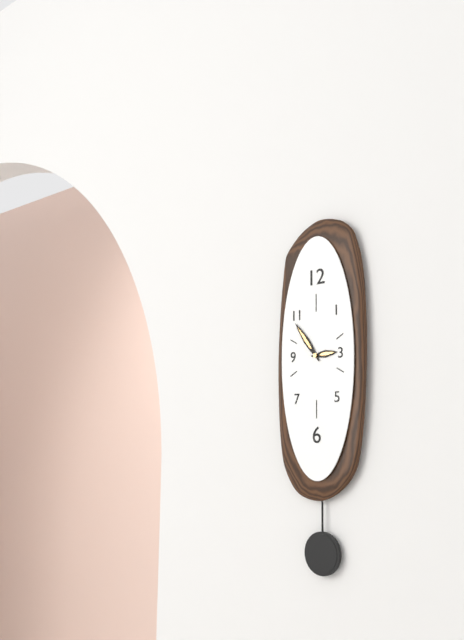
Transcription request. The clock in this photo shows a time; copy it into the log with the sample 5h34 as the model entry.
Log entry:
2h54
